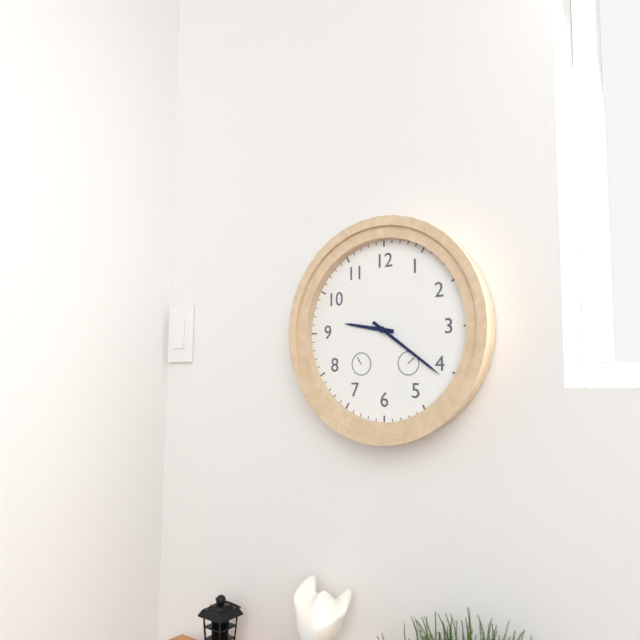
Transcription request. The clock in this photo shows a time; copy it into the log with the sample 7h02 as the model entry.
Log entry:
9h21
